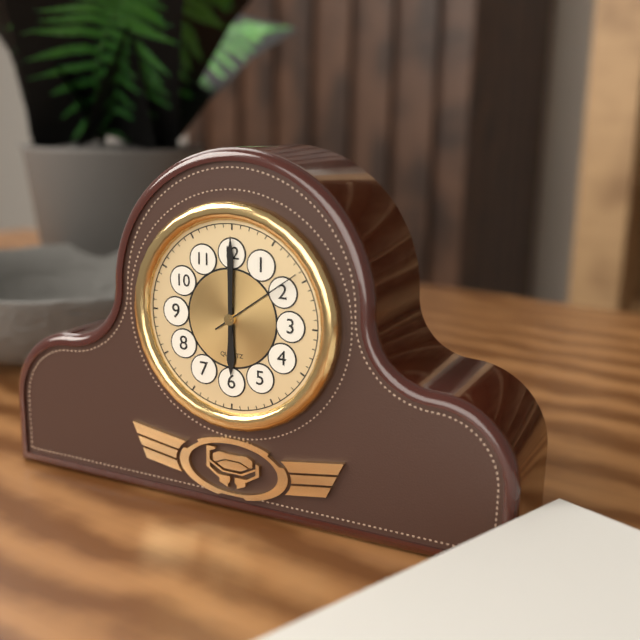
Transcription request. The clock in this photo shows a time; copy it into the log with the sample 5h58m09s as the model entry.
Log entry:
6h00m09s
